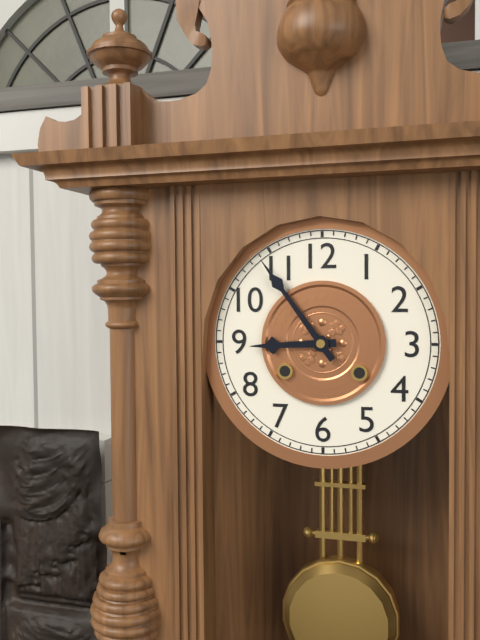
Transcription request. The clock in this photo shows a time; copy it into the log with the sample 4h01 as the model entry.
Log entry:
8h54
